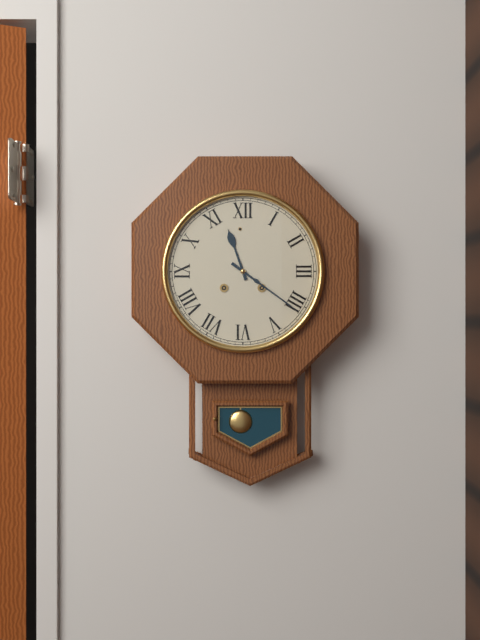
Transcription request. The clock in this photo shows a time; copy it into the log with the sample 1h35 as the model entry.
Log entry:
11h21
